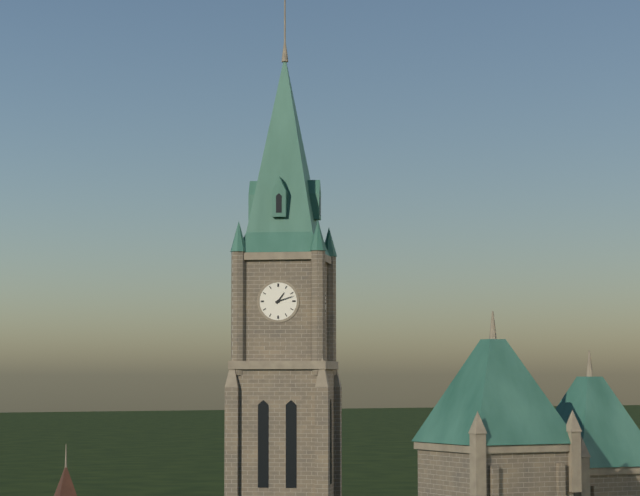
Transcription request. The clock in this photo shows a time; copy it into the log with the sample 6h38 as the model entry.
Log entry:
1h12
